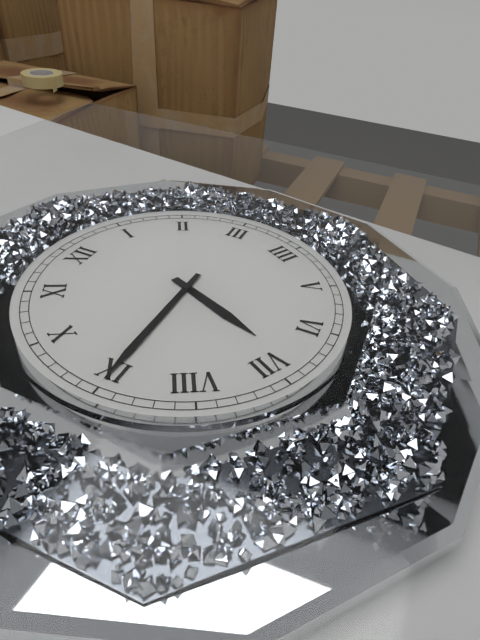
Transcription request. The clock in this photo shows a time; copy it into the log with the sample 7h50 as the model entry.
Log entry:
6h45
